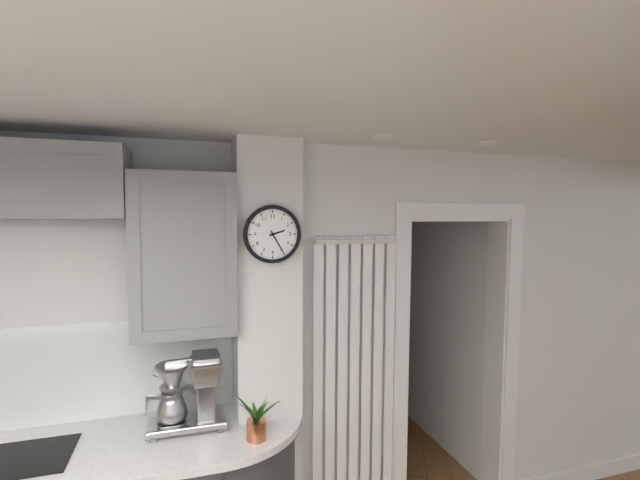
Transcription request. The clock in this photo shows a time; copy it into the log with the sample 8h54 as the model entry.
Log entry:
2h25
